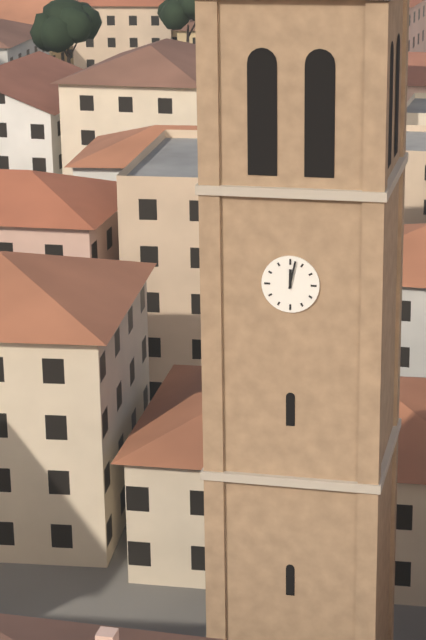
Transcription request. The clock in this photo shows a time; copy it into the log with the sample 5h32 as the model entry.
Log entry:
12h02
